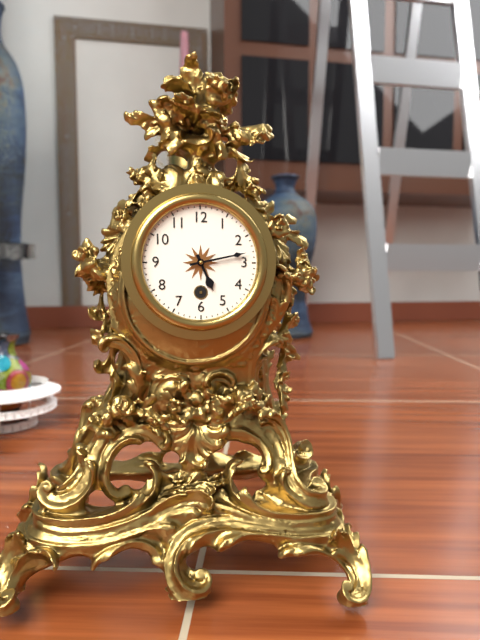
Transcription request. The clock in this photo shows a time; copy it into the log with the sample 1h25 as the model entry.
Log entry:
5h13
